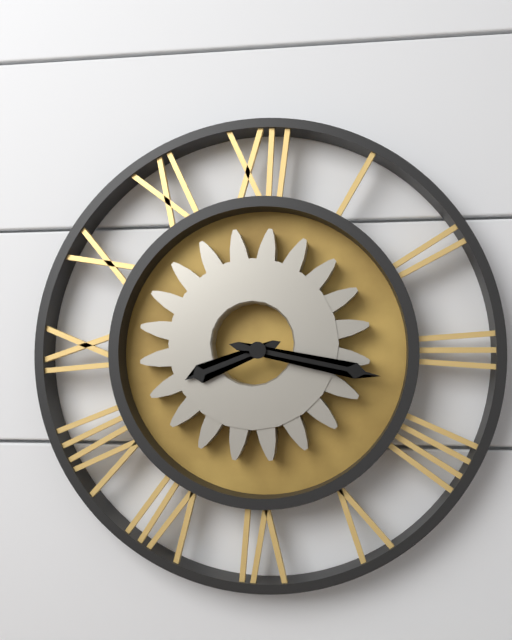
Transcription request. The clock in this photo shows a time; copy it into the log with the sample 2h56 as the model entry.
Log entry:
8h17
